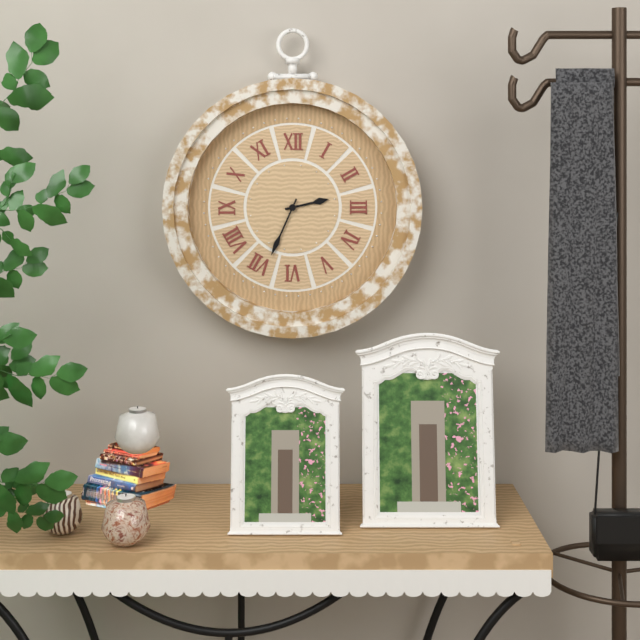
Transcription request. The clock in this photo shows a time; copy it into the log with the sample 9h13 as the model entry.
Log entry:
2h34
